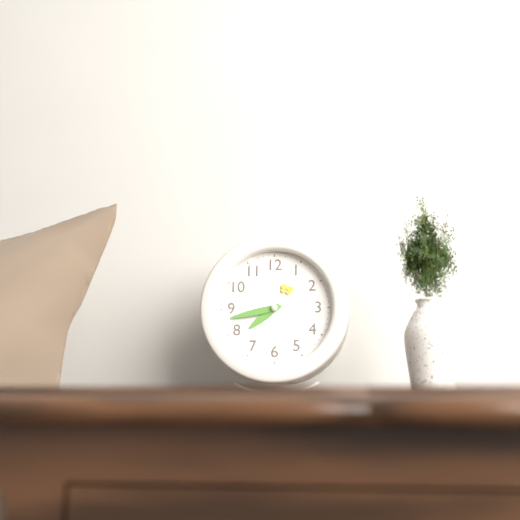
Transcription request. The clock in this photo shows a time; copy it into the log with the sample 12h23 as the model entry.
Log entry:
7h43
